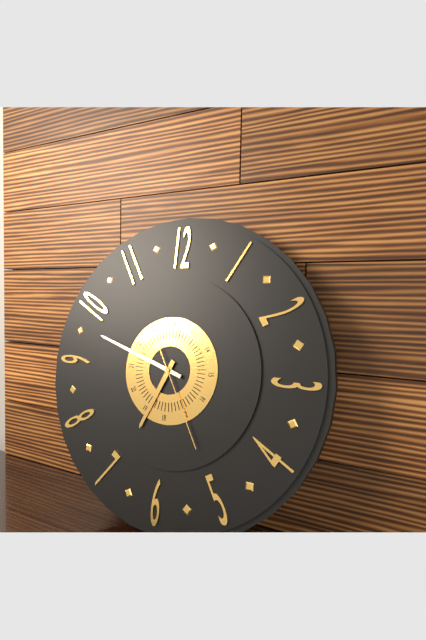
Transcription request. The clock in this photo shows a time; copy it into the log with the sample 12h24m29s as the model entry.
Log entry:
6h48m25s
